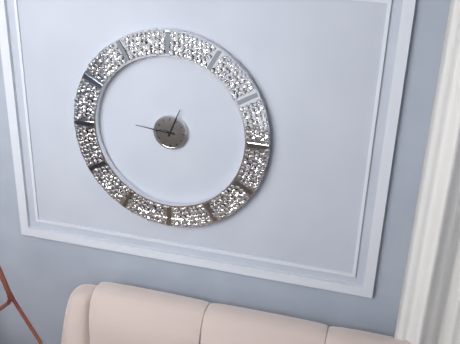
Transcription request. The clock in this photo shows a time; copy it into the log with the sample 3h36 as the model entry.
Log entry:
12h46
